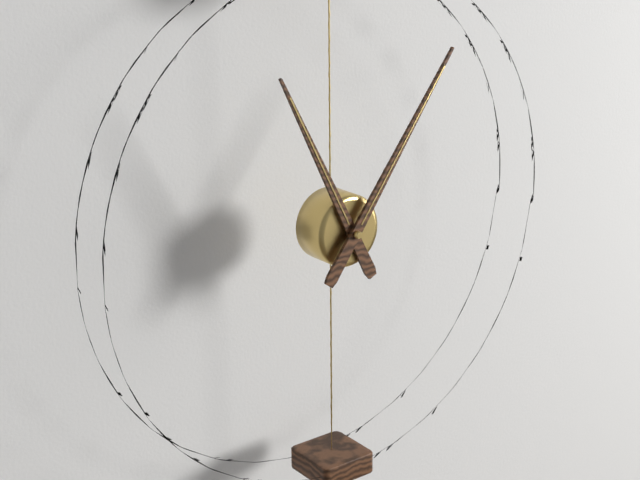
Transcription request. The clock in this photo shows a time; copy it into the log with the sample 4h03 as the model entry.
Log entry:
11h06
